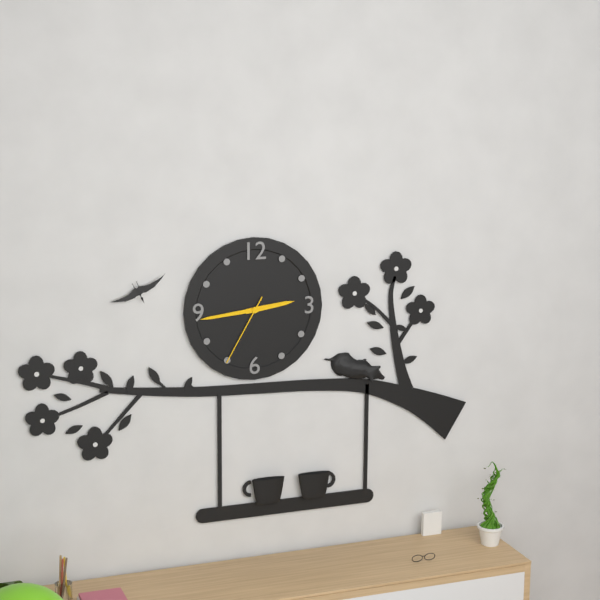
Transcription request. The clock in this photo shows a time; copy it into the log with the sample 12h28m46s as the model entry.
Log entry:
2h44m35s
